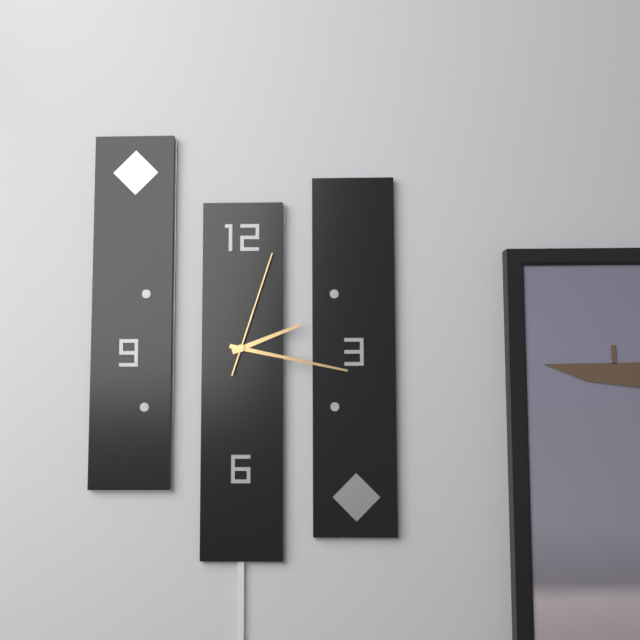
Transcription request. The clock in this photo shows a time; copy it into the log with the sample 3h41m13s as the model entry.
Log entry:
2h17m03s
